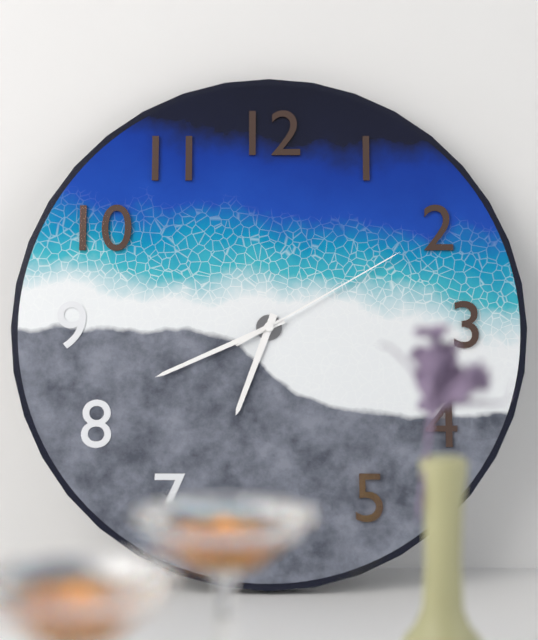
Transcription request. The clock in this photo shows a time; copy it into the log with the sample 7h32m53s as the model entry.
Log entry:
6h41m10s
